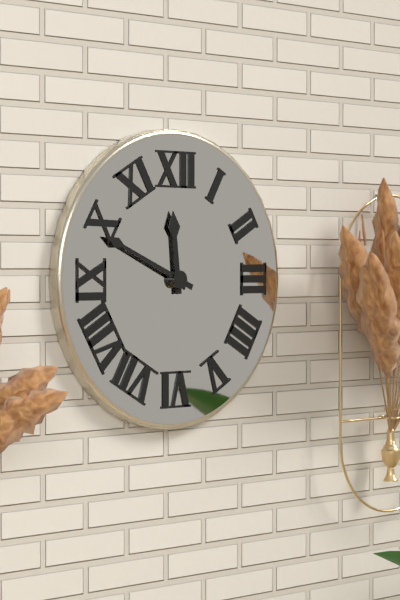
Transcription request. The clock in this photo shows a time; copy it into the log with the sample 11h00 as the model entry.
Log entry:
11h49
